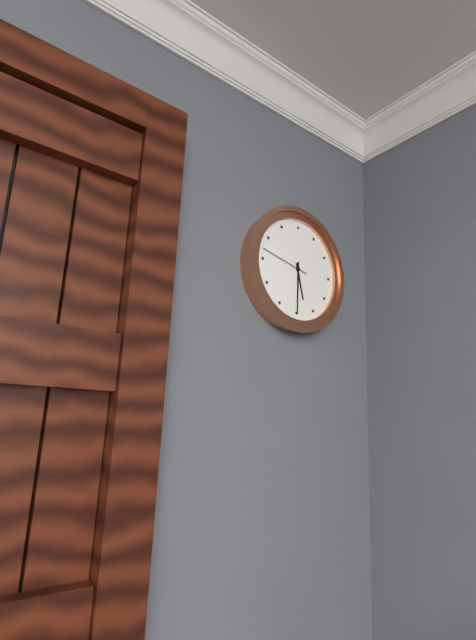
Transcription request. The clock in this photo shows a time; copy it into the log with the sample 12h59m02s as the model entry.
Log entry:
5h30m47s
